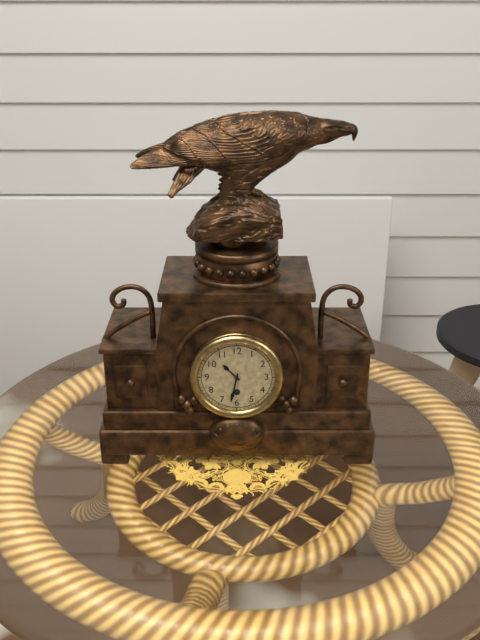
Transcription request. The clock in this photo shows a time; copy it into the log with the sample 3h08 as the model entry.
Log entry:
10h32
